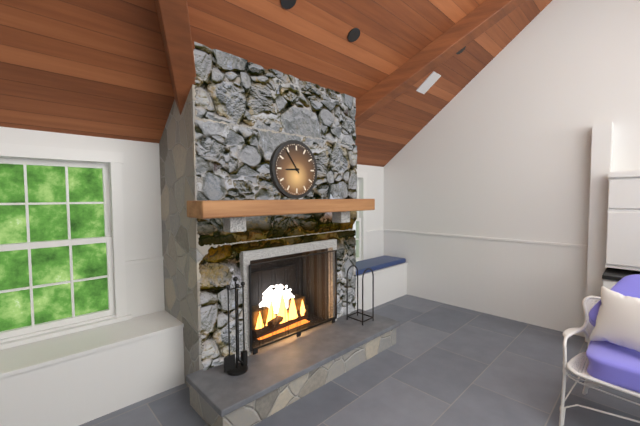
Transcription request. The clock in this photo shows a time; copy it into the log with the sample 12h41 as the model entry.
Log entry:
8h54
